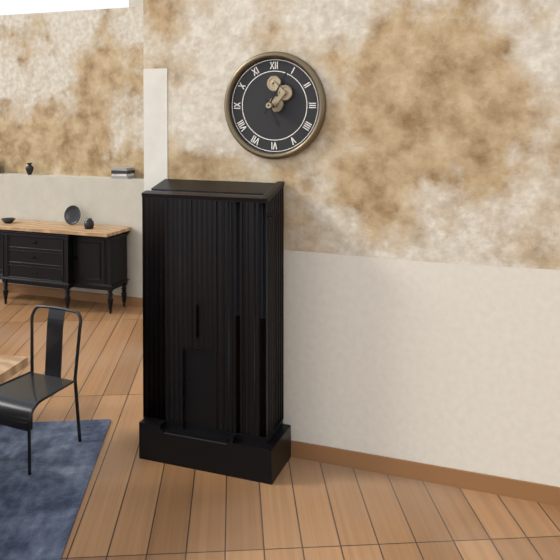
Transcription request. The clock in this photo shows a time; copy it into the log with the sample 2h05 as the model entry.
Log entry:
5h05
